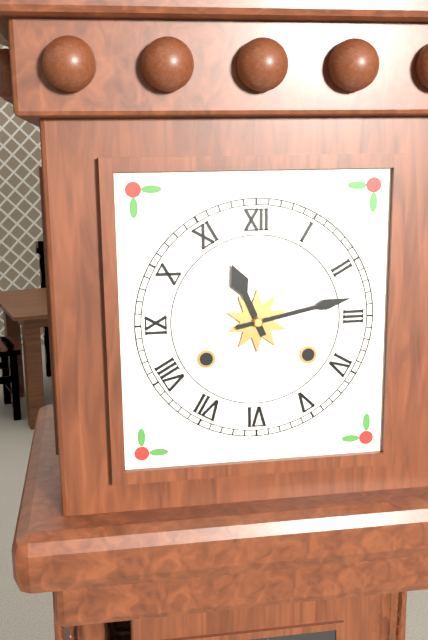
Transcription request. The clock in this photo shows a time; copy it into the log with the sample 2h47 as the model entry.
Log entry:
11h13
